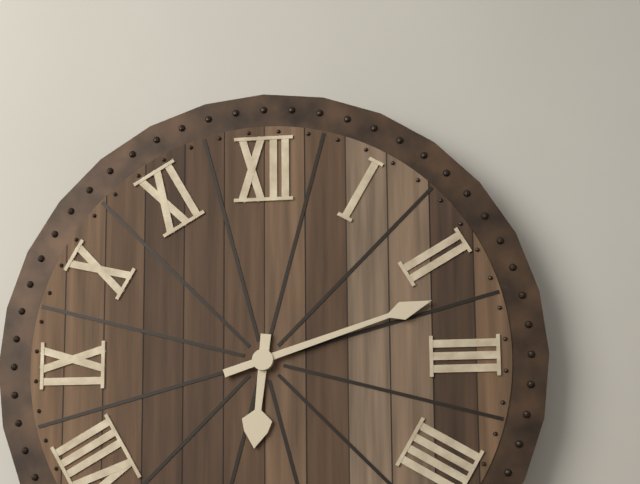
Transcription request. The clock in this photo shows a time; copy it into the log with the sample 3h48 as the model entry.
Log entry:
6h12
